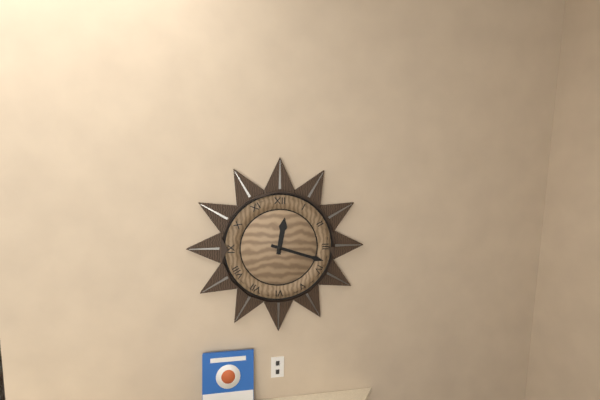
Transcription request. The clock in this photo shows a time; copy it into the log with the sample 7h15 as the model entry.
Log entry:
12h18
